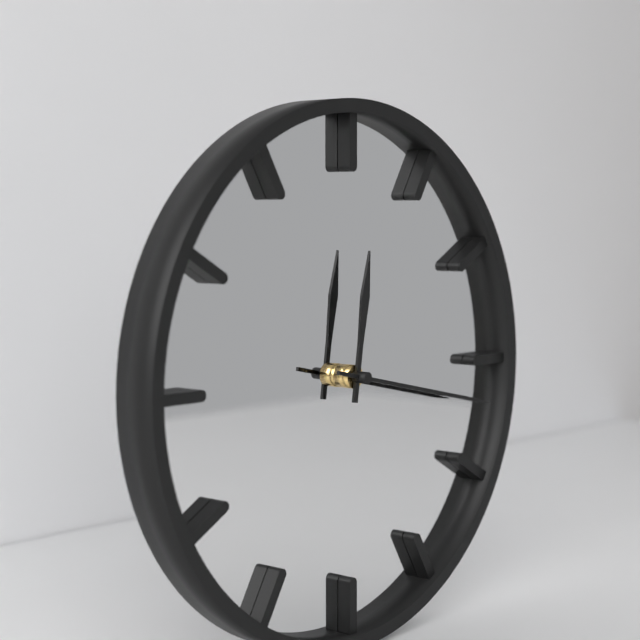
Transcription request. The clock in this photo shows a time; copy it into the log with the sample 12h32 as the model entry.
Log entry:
12h17
